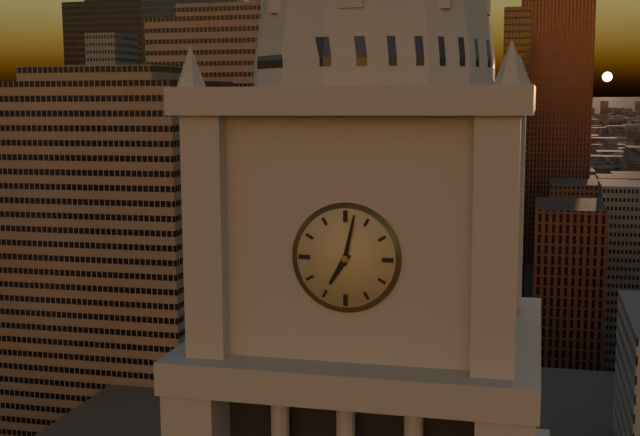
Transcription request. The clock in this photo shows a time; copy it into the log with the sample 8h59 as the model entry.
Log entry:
7h02
